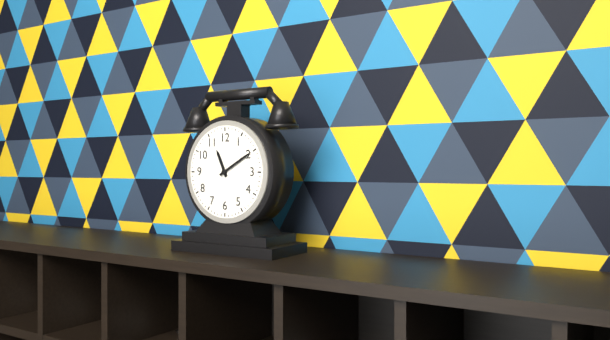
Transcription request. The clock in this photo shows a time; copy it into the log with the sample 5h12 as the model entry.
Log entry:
11h10
